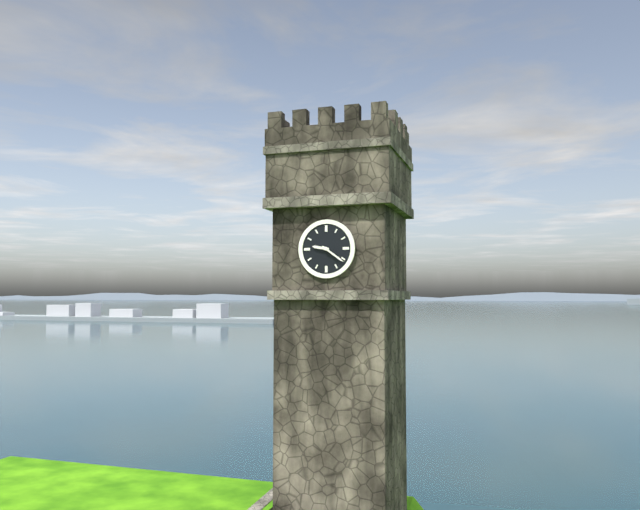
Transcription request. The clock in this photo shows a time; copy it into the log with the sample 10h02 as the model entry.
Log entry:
9h21
